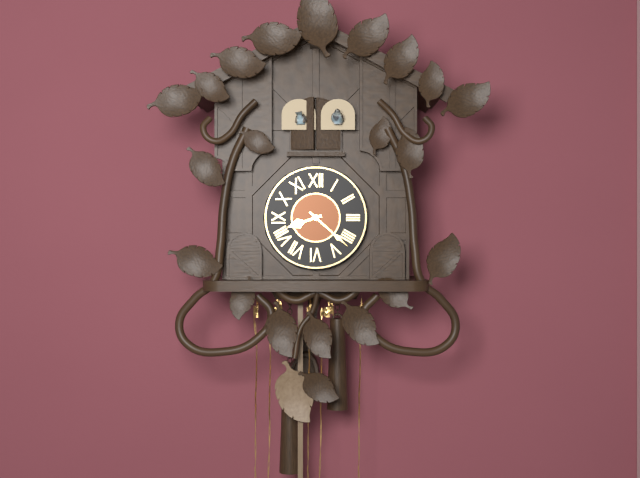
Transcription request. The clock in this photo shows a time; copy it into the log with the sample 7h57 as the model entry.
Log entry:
8h22
